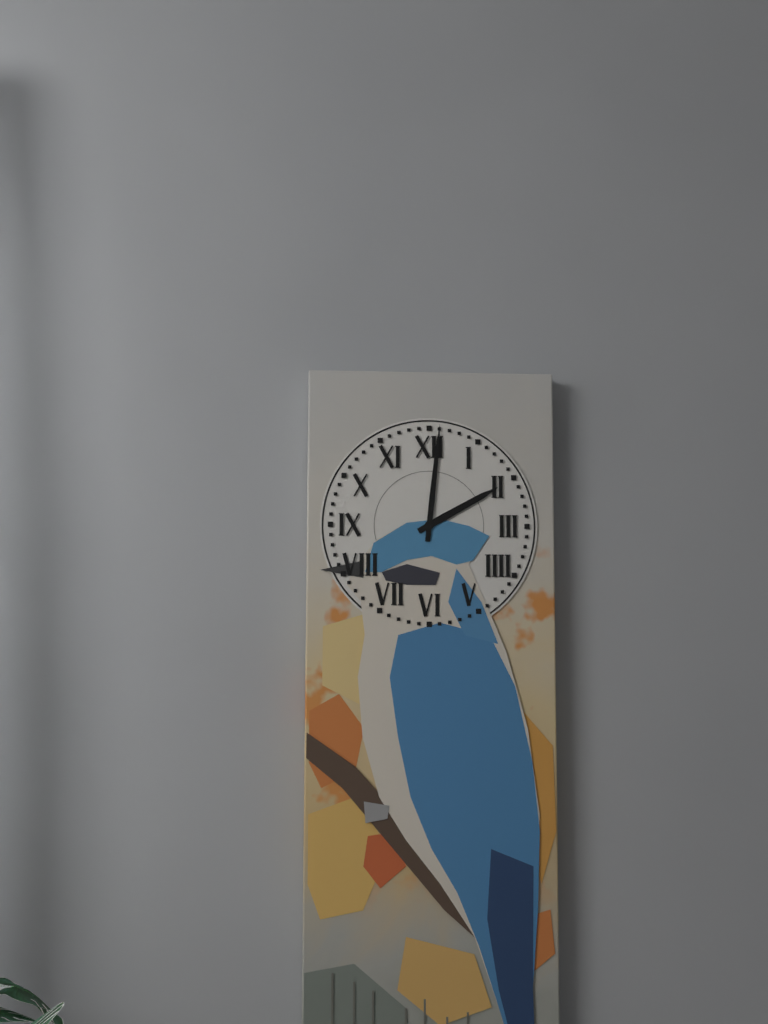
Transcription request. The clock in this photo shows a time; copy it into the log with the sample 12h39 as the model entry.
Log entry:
2h01
